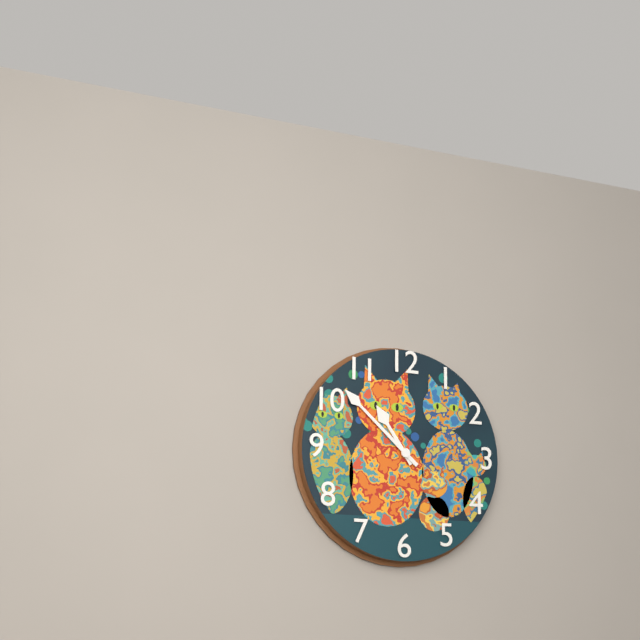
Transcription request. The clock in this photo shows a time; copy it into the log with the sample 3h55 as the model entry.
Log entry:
10h52
